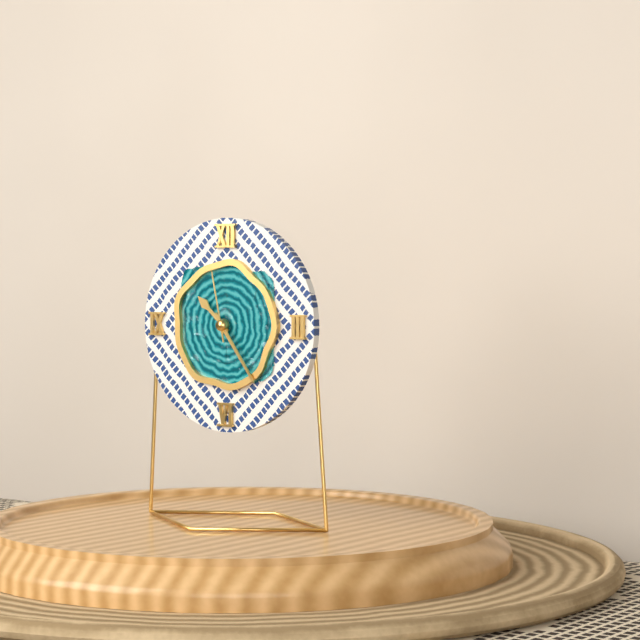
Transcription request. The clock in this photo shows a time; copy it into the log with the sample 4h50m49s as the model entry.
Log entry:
10h24m58s
